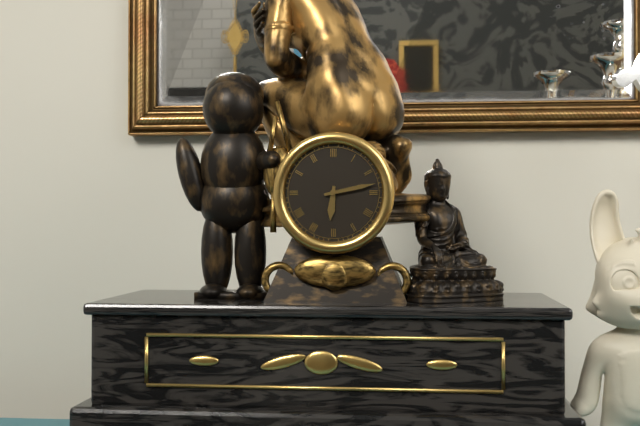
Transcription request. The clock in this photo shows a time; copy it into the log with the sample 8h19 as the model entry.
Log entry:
6h13
